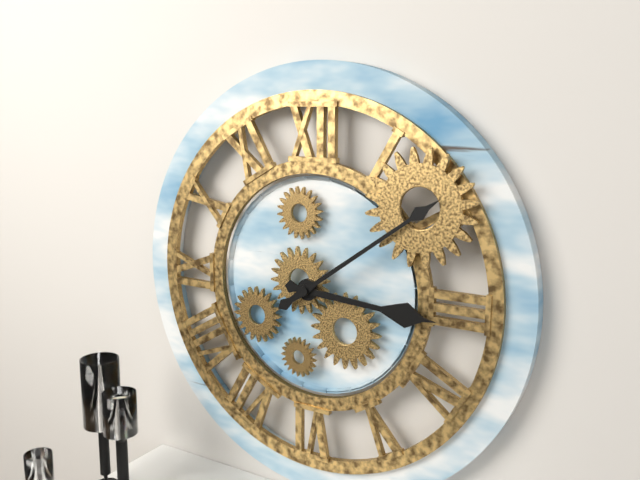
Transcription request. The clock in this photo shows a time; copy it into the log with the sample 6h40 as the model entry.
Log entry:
3h09
